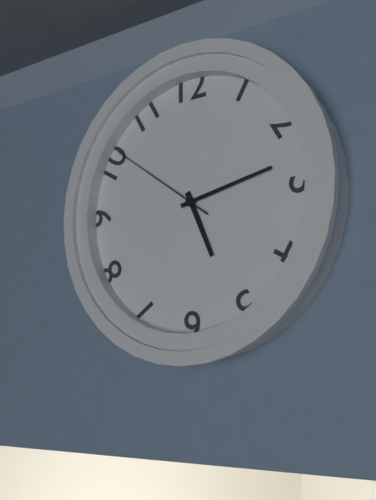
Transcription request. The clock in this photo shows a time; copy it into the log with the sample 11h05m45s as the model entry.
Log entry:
5h13m51s
